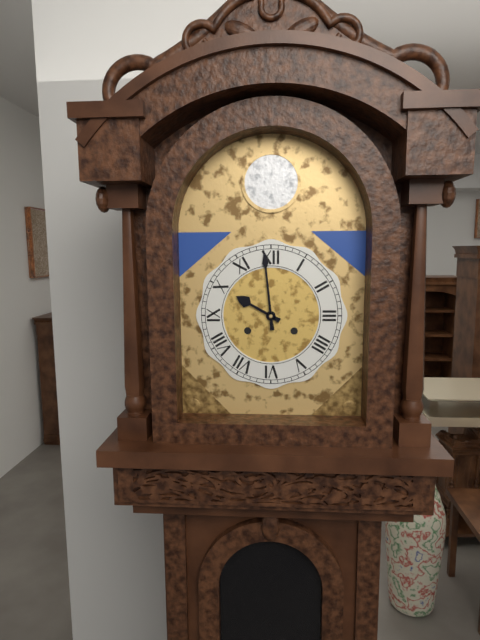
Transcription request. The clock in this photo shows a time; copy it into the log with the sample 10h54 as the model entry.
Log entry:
9h59
